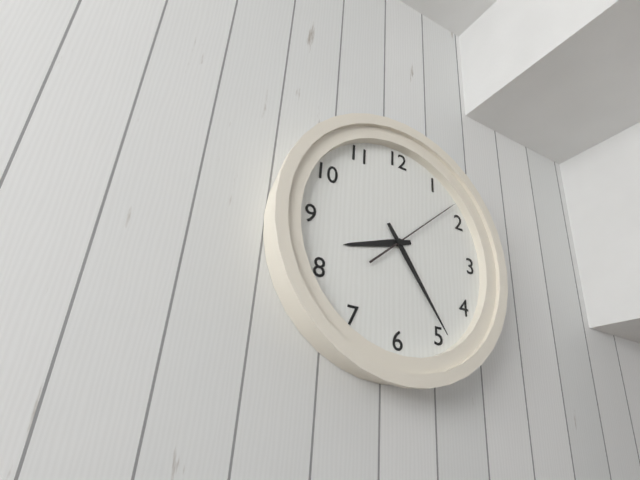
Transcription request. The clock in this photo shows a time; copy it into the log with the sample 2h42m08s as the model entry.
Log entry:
8h24m08s
